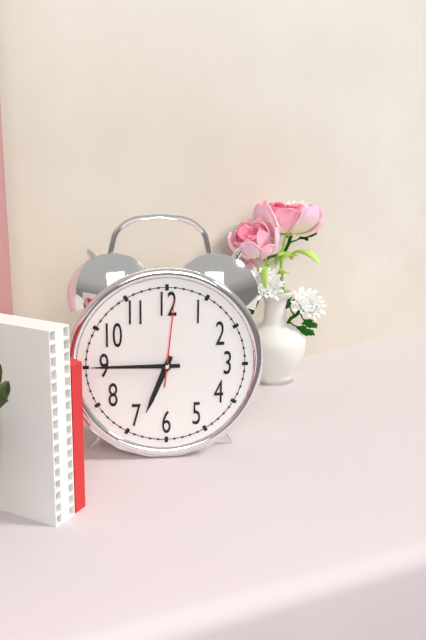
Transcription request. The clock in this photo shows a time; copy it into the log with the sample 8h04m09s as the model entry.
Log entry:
6h45m01s
